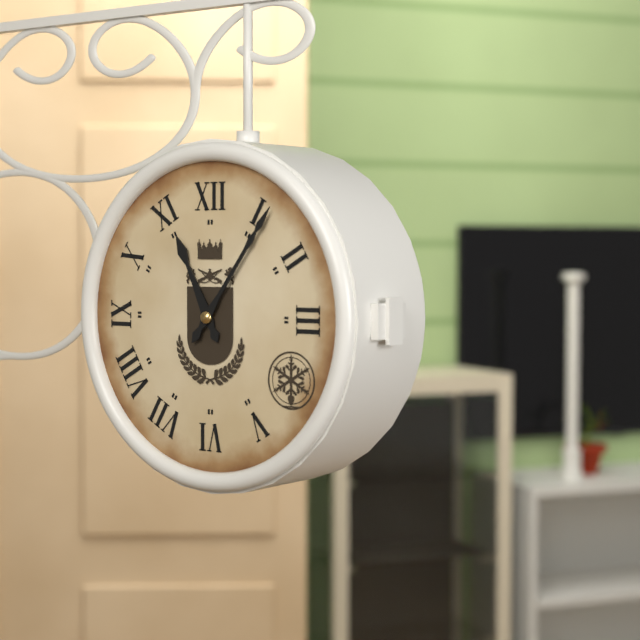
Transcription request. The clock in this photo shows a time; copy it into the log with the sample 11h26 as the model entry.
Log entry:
11h06
